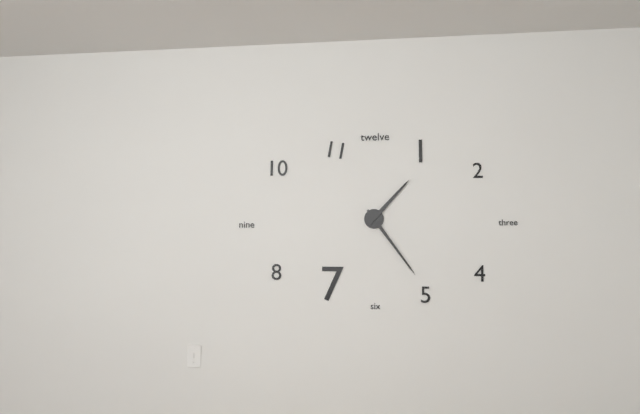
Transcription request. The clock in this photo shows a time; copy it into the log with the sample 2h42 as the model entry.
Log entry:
1h24
